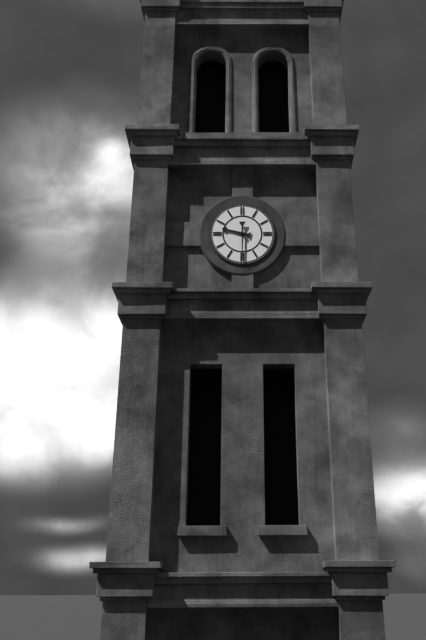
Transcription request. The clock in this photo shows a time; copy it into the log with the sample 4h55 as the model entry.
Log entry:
9h30
